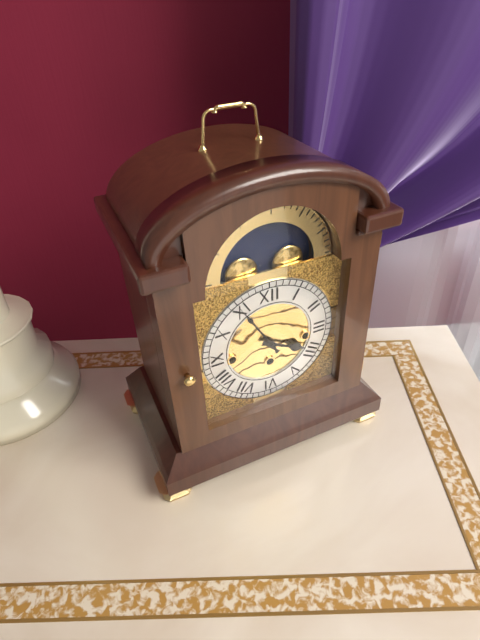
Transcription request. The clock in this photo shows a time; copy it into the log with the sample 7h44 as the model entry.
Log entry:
3h55
